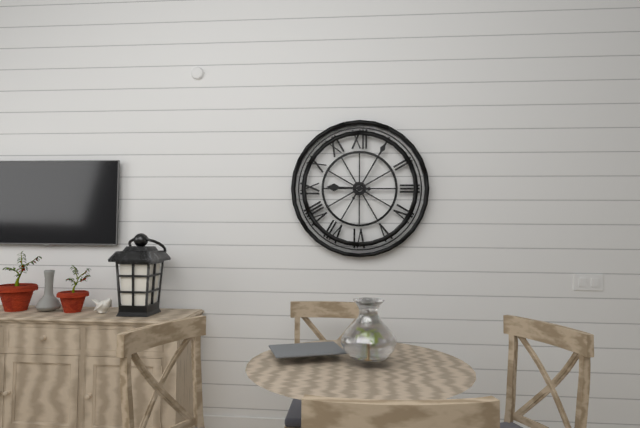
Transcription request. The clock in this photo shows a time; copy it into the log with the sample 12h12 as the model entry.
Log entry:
9h05
